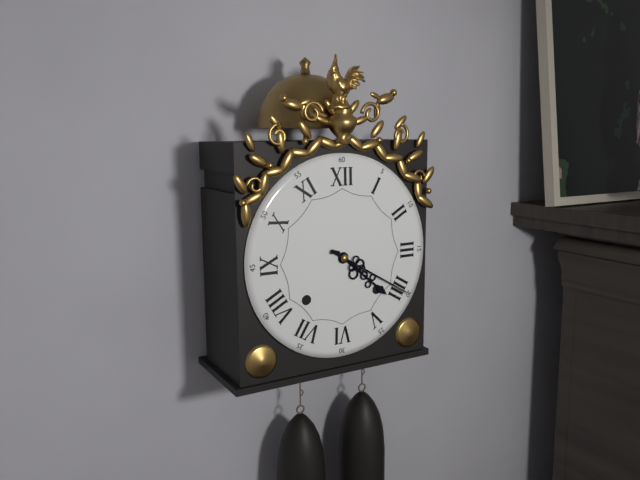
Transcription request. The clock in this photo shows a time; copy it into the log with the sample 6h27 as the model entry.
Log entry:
4h20
